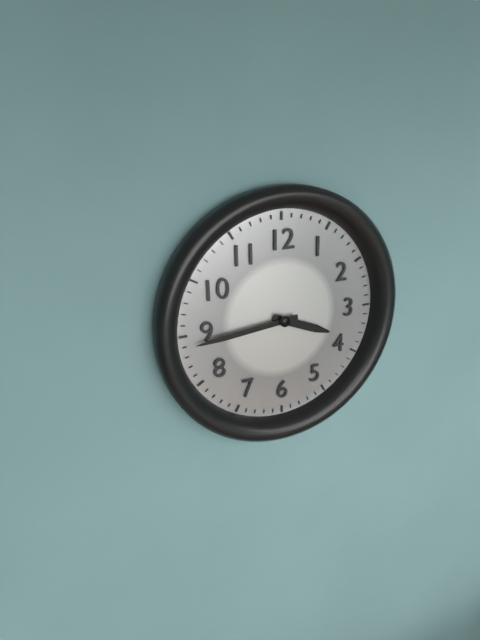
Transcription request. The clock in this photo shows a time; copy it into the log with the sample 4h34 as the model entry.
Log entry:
3h44
